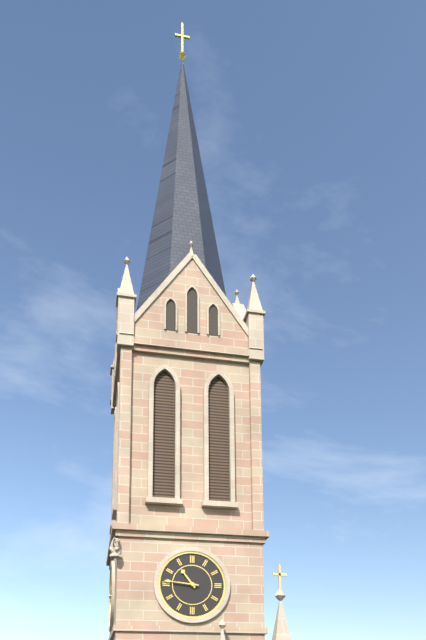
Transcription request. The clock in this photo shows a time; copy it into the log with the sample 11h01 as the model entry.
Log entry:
10h46
